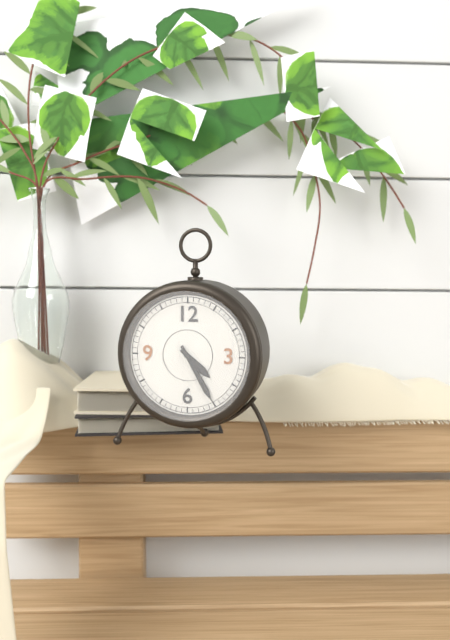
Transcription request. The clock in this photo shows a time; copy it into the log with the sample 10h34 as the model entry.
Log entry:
4h25
